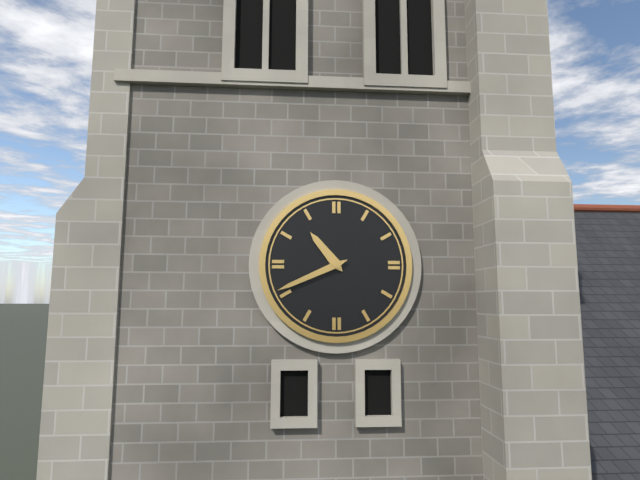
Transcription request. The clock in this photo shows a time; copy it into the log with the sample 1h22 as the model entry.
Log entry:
10h41
